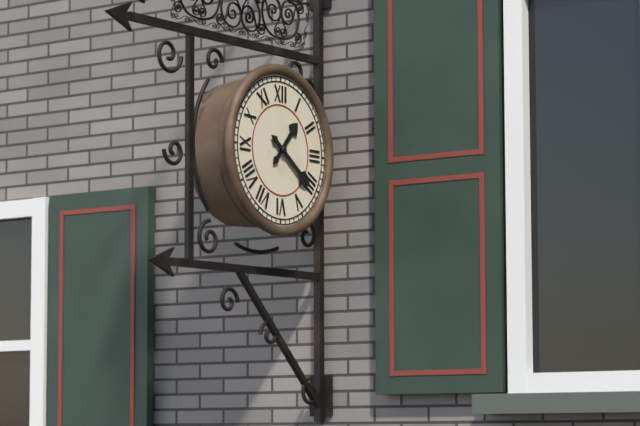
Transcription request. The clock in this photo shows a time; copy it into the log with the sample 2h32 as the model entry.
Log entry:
1h21
